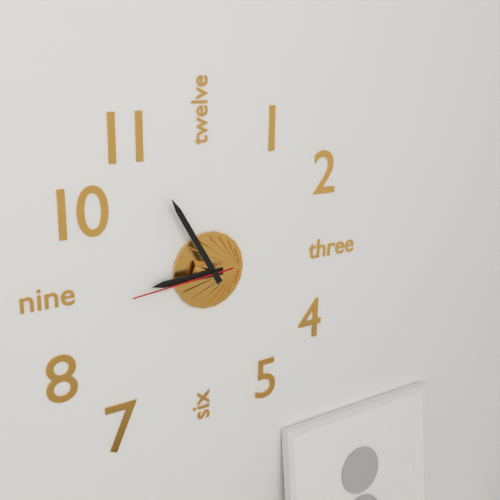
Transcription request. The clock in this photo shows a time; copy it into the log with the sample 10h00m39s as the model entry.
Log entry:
8h55m44s
